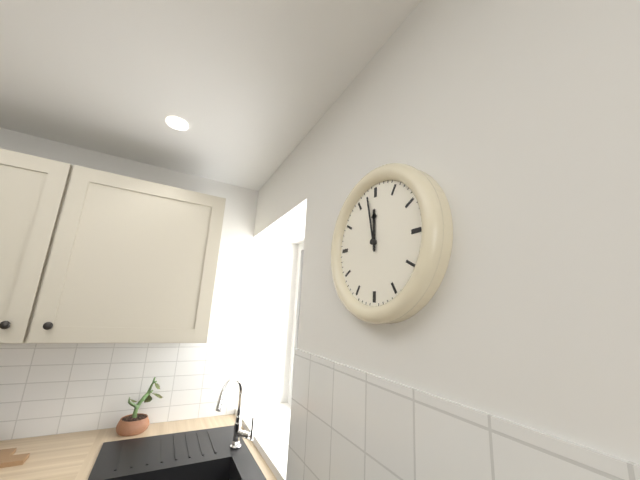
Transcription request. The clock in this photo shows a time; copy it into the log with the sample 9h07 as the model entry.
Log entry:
11h58
